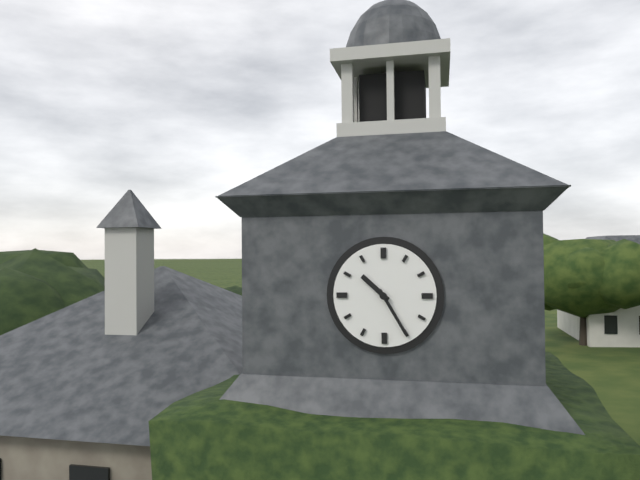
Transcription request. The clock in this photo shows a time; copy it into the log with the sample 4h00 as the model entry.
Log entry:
10h25
